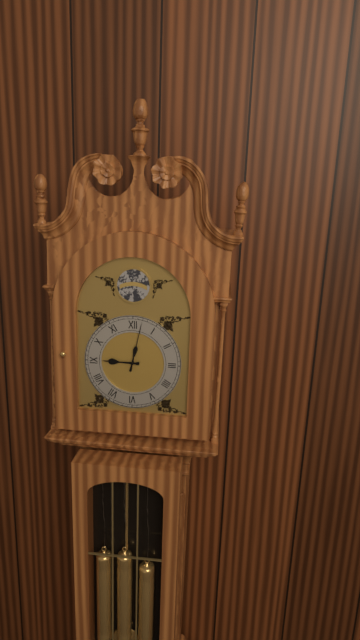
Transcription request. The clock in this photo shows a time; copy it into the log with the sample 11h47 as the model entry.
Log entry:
9h02
